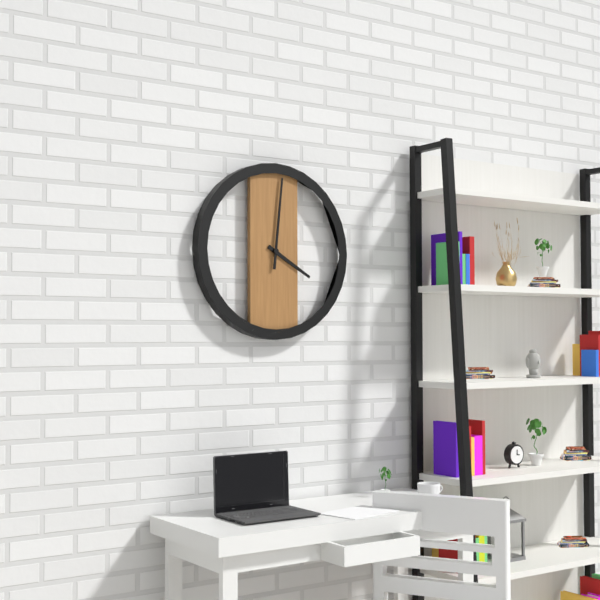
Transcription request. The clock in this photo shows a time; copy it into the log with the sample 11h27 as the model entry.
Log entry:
4h01
